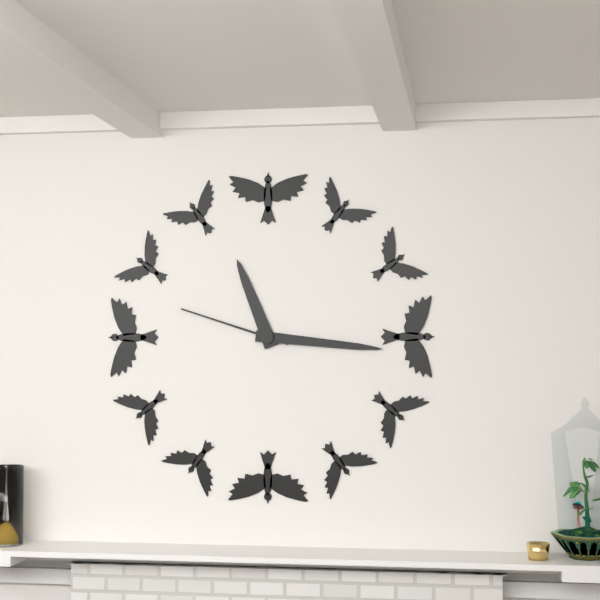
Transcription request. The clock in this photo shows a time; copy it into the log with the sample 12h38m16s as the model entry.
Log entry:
11h16m48s
